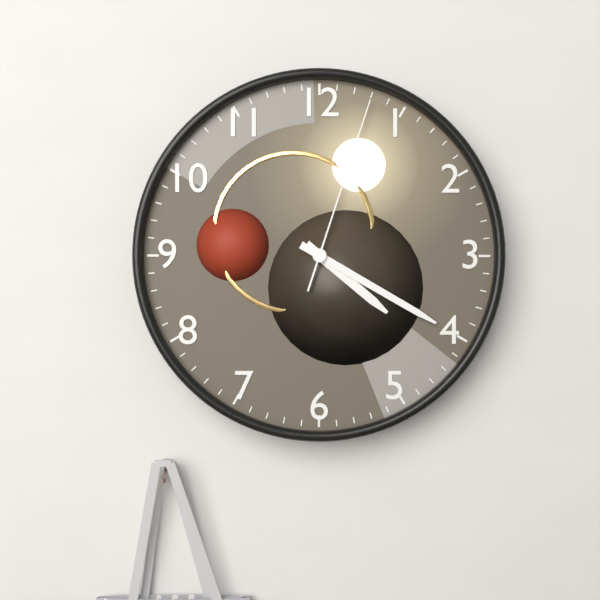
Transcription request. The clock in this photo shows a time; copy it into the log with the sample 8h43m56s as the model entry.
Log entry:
4h20m03s
